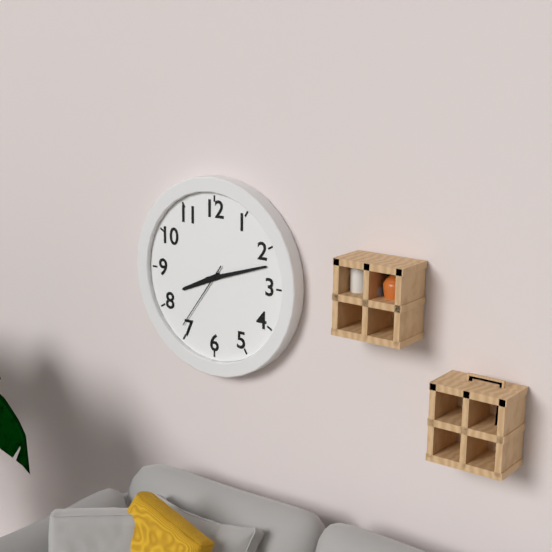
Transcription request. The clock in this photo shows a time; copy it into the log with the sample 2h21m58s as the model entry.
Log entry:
8h12m36s
